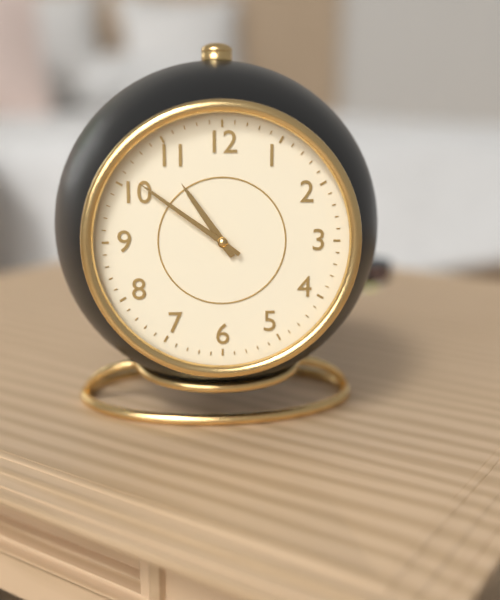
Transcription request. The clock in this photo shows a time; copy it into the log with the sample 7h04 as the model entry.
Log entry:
10h51
